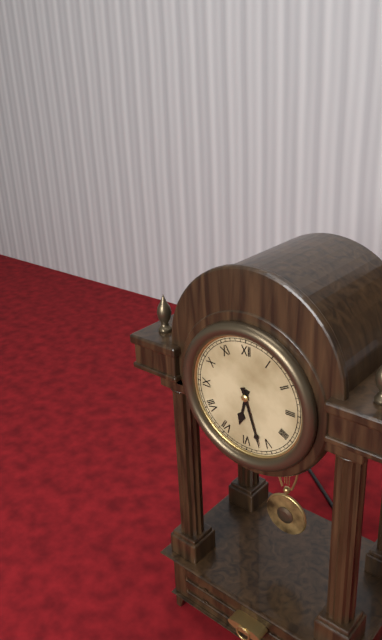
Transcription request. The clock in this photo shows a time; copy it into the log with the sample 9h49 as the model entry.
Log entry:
6h27
